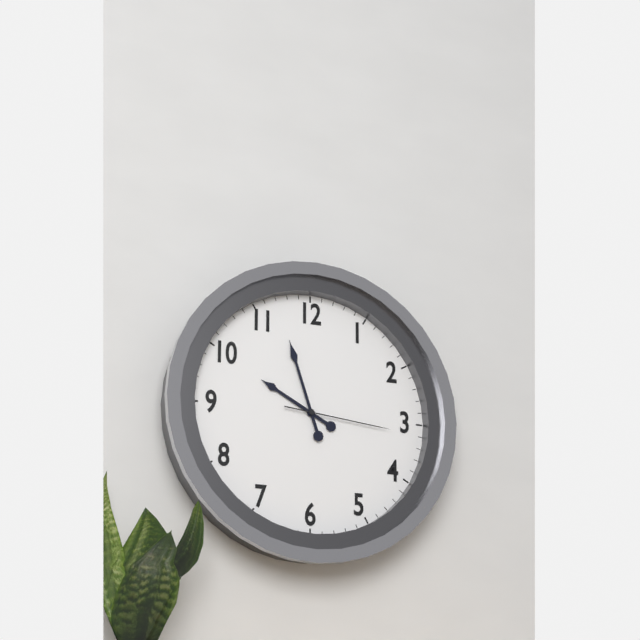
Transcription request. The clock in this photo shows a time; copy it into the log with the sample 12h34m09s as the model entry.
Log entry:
9h57m16s
